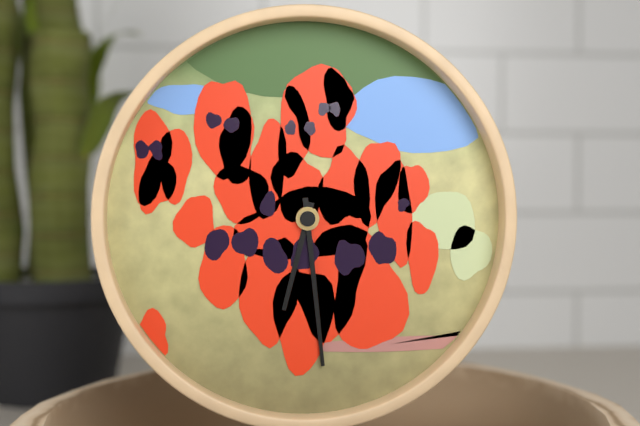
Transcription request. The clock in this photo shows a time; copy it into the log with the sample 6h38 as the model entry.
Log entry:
6h29
